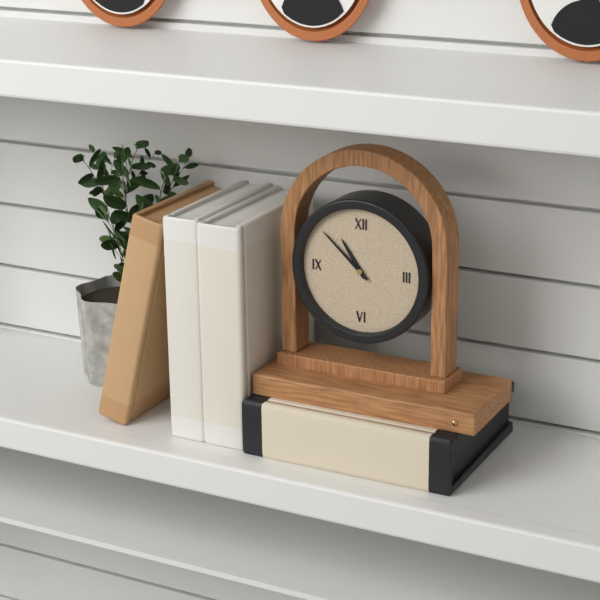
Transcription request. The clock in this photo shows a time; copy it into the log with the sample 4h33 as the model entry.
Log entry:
10h52
